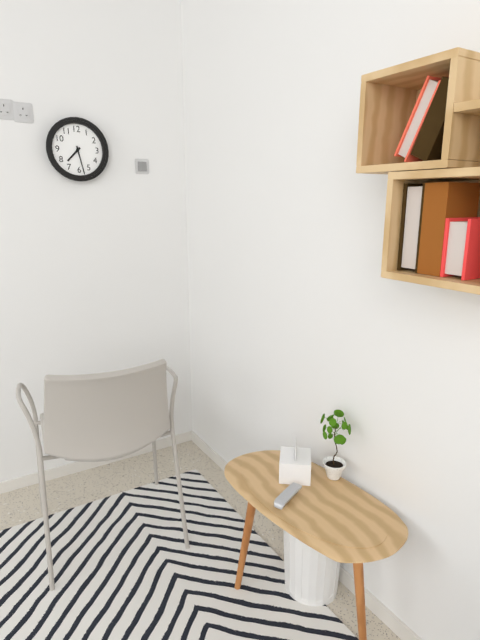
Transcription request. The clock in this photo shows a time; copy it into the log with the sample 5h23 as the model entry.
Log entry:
7h28
